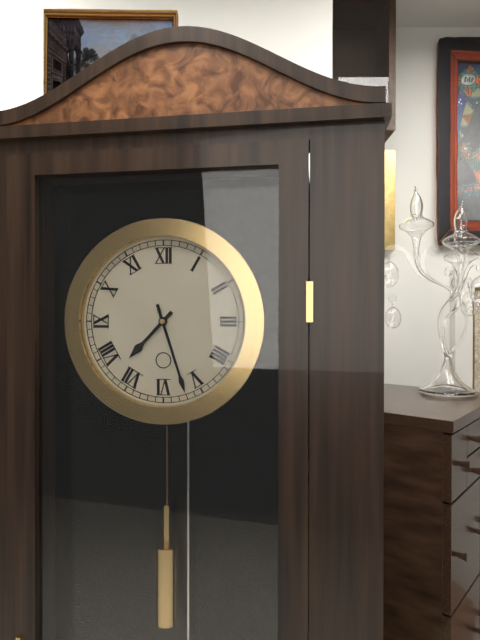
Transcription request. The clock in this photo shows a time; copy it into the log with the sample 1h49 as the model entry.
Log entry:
7h27
